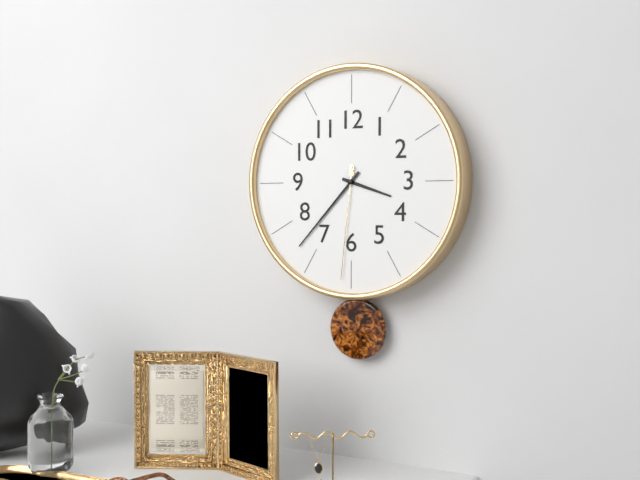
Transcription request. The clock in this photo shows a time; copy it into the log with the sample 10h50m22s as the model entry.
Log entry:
3h37m31s
